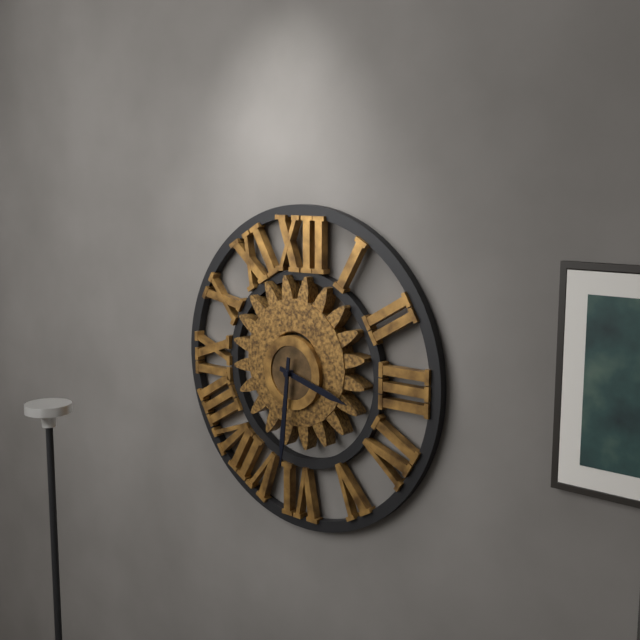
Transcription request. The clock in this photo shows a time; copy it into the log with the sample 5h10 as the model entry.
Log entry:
3h31
